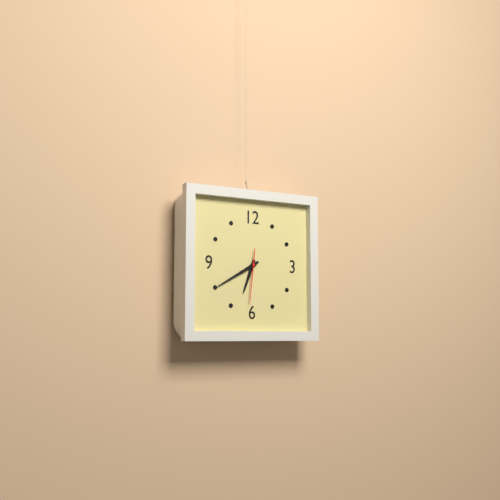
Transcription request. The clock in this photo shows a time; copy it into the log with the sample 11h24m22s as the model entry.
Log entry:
6h40m31s
